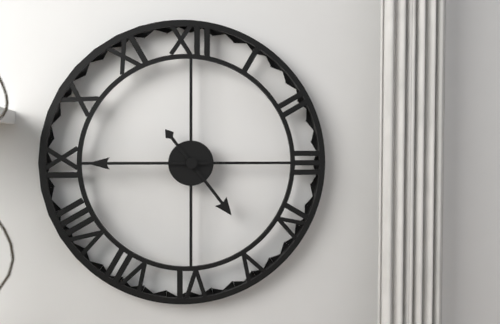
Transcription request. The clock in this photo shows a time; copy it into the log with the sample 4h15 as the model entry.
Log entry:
4h45
